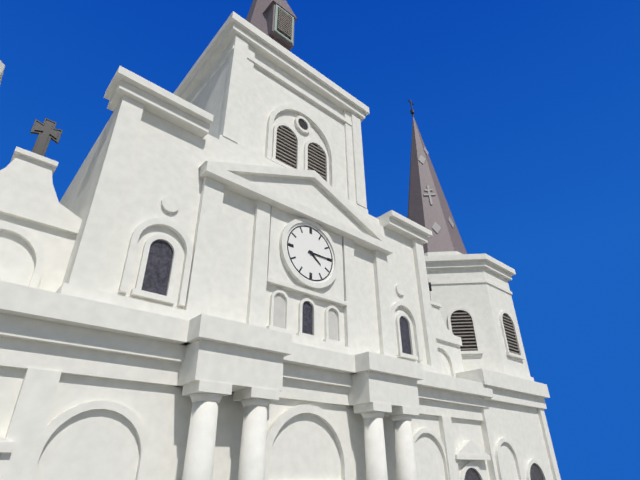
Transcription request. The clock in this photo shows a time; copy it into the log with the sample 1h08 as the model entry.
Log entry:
4h15
